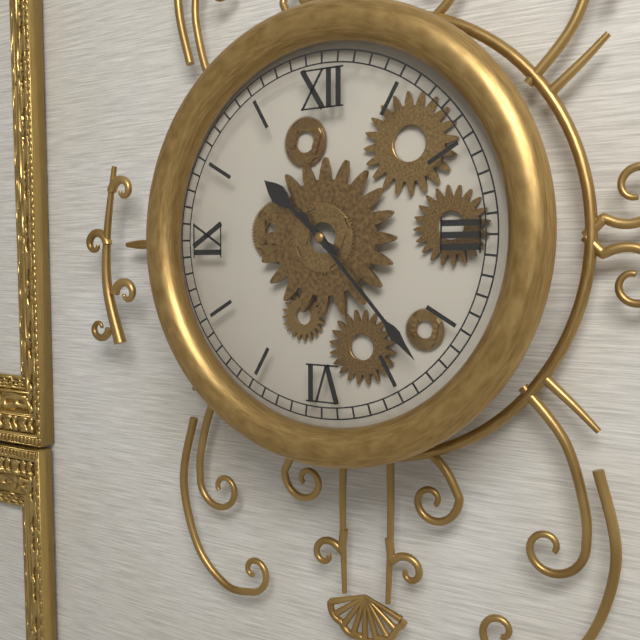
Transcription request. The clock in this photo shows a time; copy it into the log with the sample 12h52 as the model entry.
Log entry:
10h23
